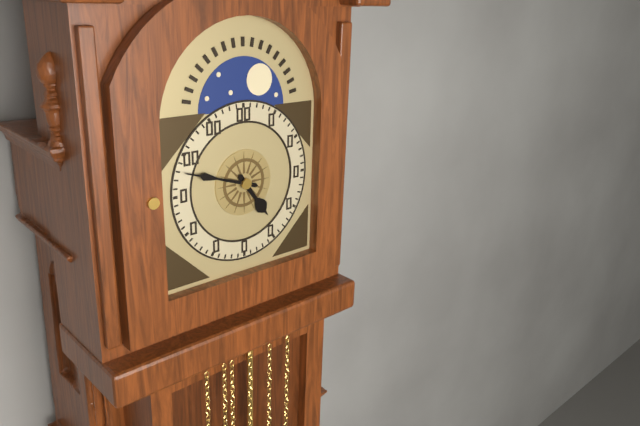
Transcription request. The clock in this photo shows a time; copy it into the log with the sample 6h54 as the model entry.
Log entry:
4h48
